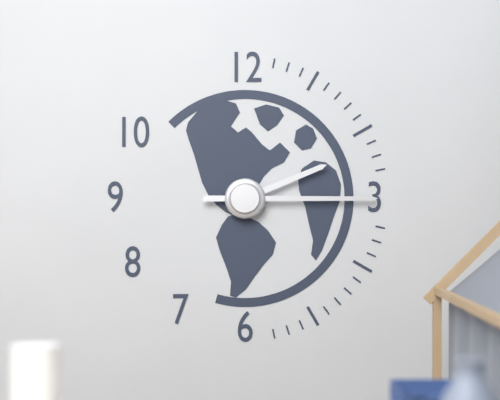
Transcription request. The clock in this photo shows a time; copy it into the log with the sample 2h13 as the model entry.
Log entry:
2h15
